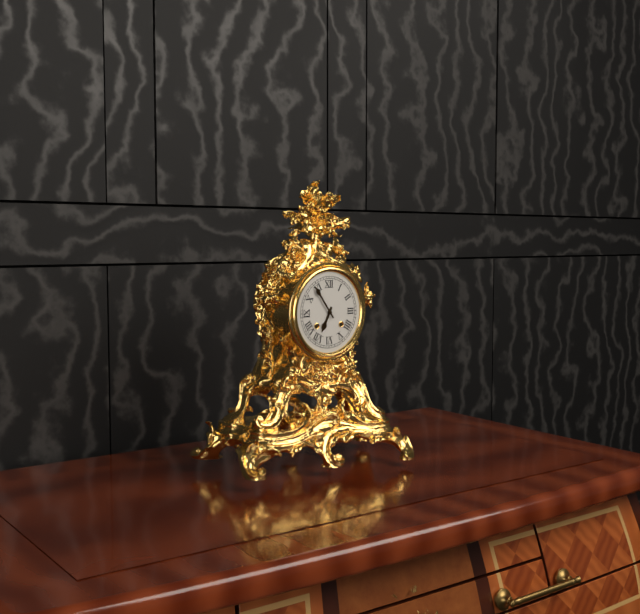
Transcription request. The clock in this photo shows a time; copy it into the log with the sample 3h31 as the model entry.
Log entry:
6h54
